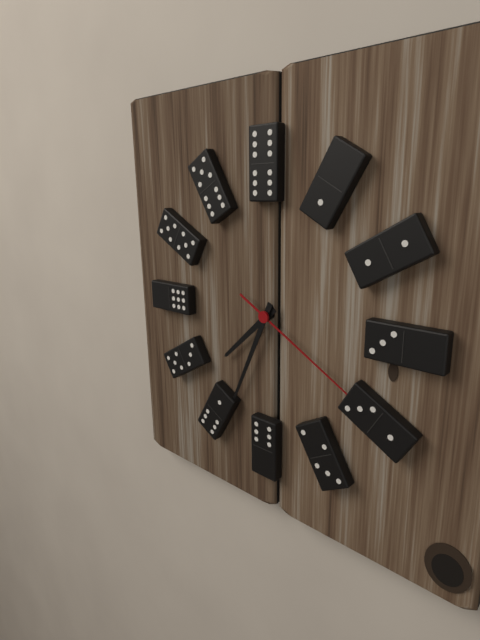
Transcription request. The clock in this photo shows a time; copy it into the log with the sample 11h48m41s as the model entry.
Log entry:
7h34m20s
